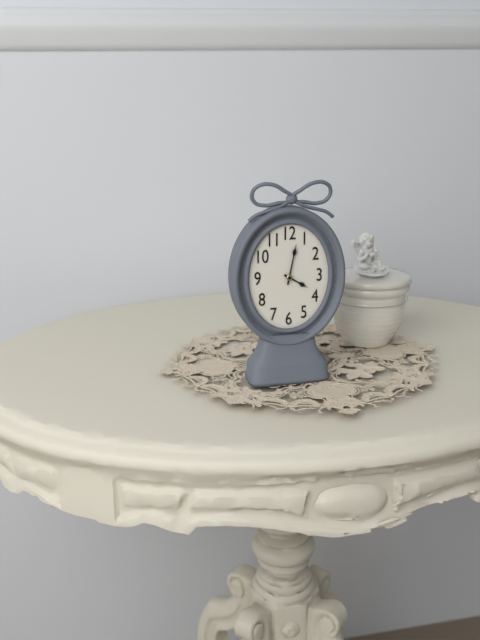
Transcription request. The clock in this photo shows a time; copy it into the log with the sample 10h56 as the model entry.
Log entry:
4h02
